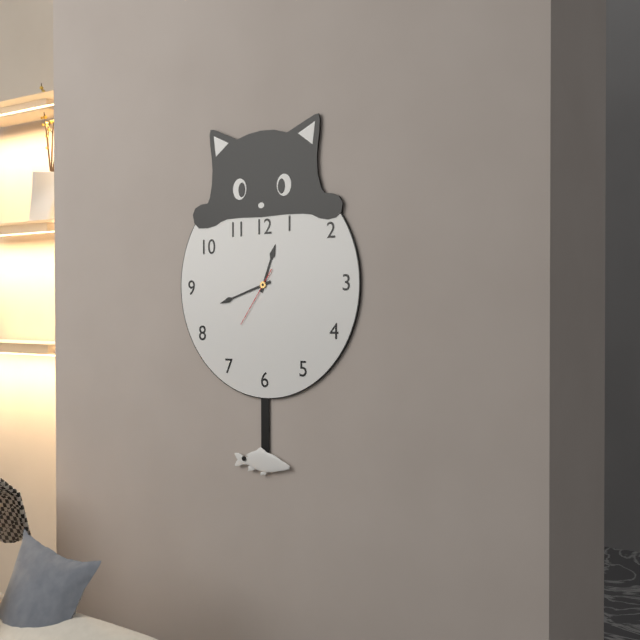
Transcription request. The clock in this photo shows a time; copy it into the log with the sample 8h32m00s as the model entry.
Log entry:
12h42m36s
